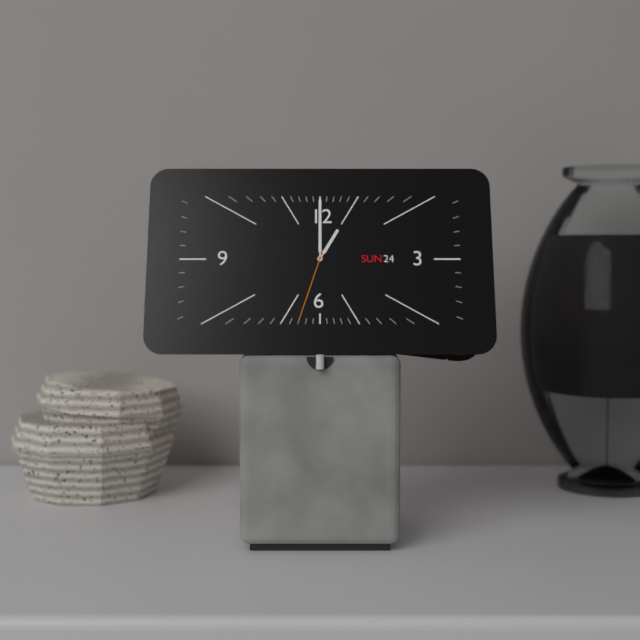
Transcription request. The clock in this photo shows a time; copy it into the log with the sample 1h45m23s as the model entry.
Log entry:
1h00m33s
